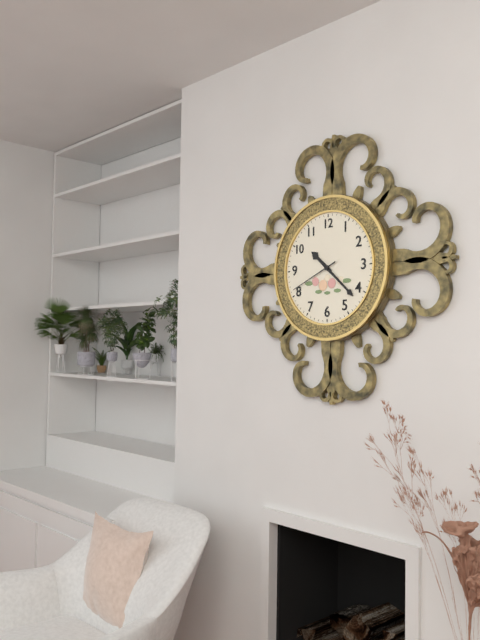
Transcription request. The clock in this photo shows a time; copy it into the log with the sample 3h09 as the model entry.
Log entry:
10h22
